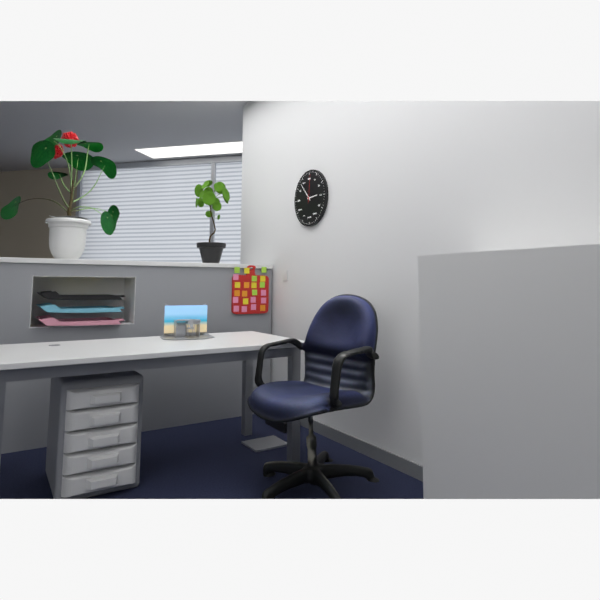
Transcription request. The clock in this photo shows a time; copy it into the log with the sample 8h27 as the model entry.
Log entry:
2h53
